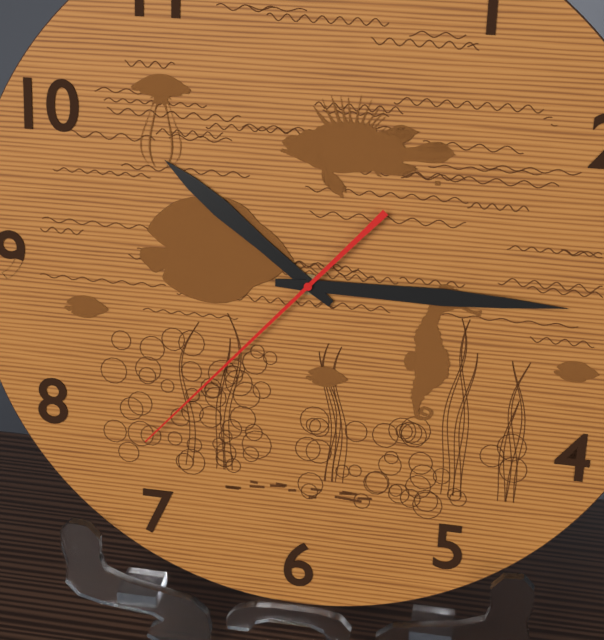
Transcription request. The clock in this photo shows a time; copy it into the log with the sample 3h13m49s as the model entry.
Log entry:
10h15m37s
